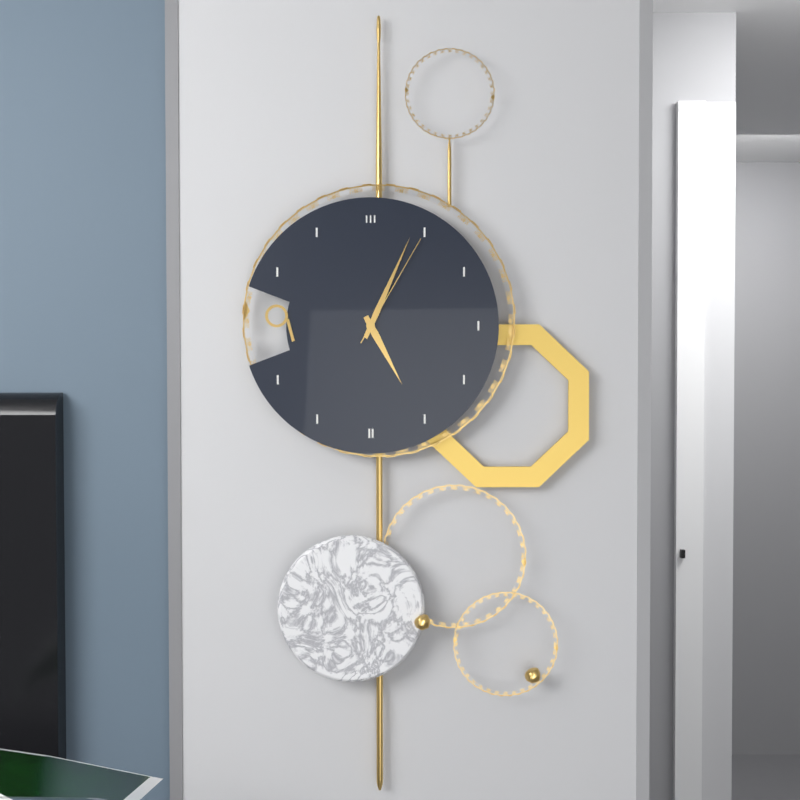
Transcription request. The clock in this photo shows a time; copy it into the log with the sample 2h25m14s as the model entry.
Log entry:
5h04m05s
